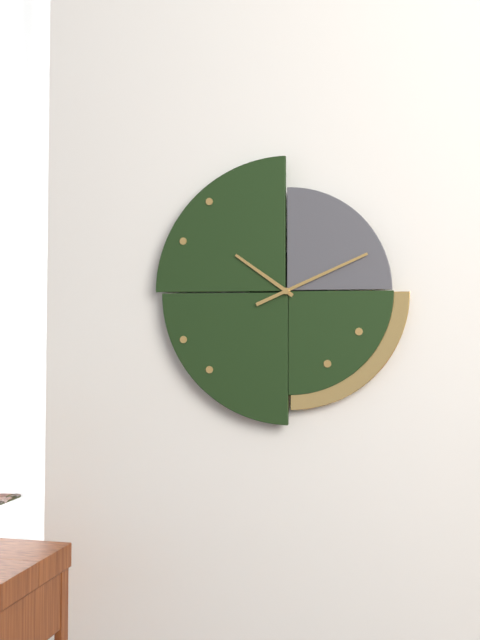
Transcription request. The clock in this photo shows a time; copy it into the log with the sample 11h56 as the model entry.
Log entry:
10h11
